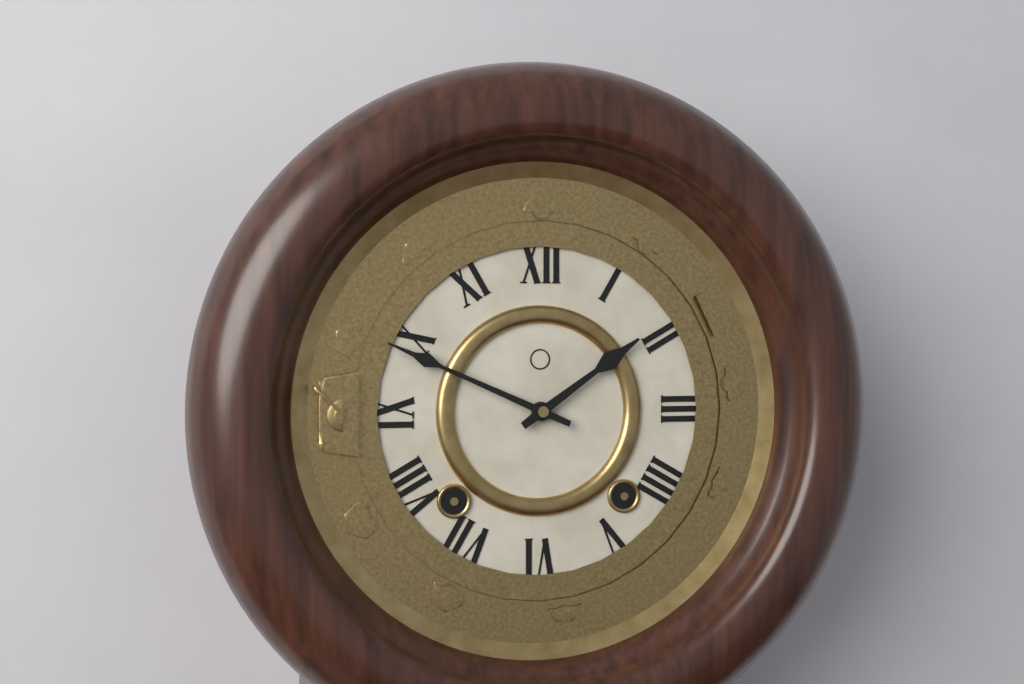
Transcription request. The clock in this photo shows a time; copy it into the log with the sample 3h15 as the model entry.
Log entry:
1h49
